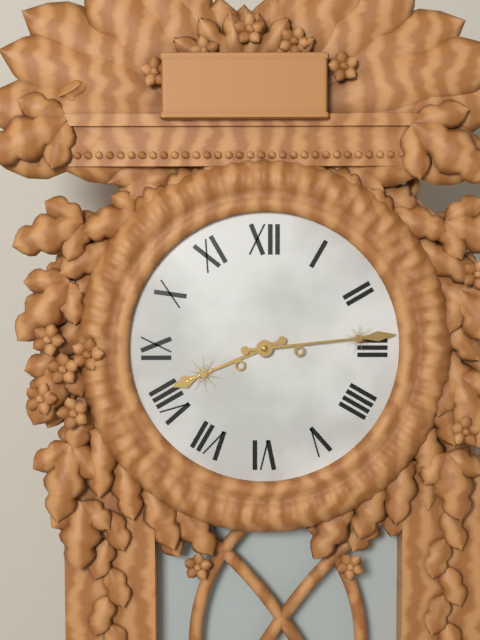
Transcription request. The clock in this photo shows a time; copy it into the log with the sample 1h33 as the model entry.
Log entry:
8h14
